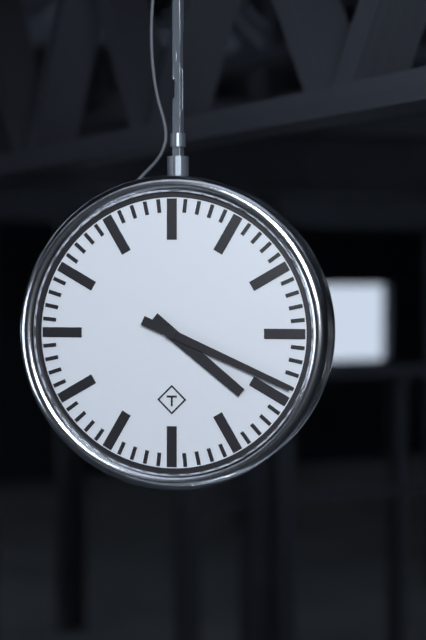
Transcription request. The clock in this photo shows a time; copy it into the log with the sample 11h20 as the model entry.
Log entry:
4h19
